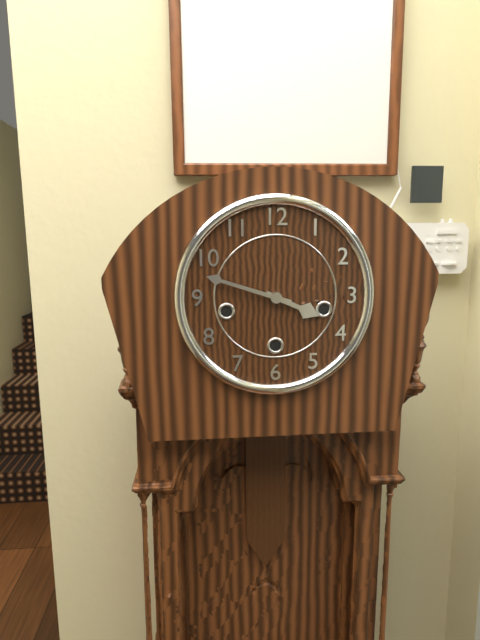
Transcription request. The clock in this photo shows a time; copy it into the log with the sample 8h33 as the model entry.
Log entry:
3h48
